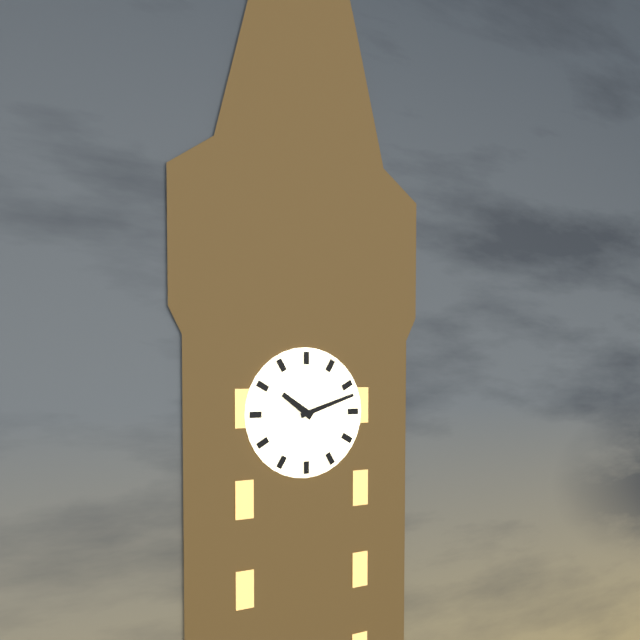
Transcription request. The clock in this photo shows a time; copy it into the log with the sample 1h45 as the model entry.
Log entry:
10h12
